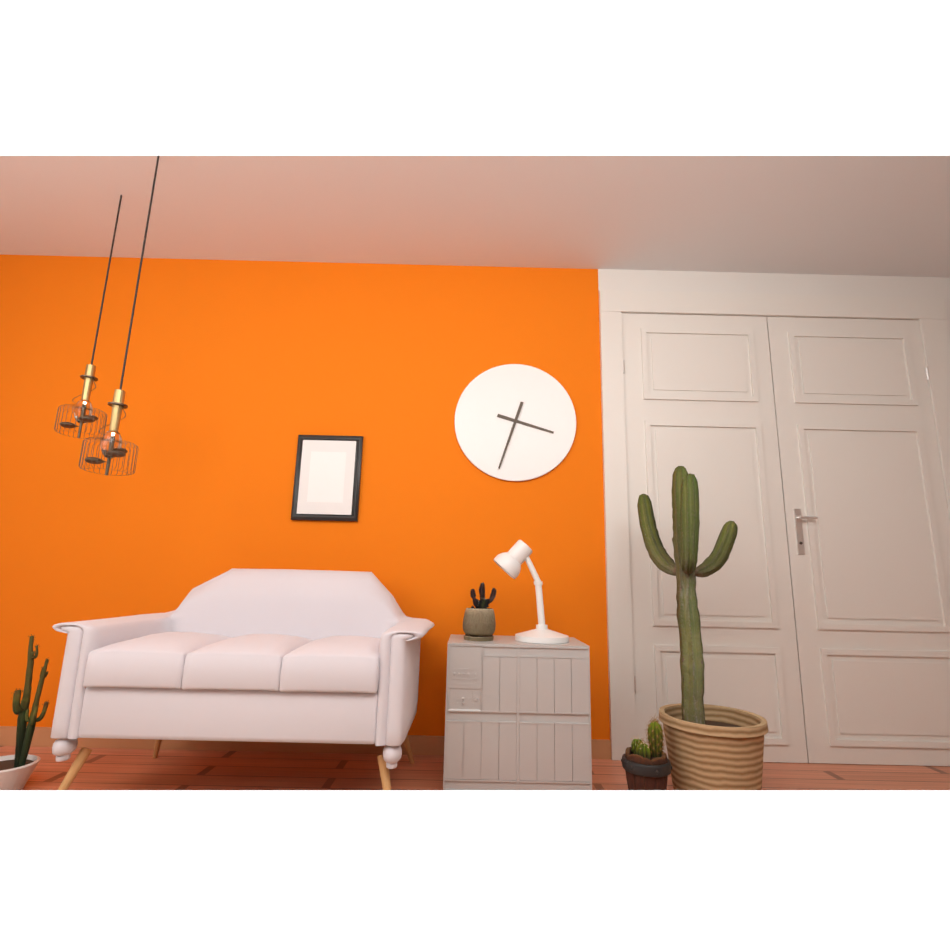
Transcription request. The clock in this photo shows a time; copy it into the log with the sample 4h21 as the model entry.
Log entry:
3h33
